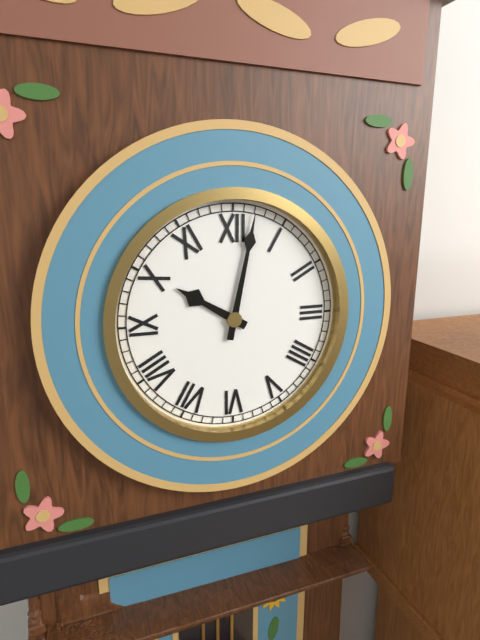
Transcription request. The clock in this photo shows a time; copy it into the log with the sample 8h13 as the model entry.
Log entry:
10h02
